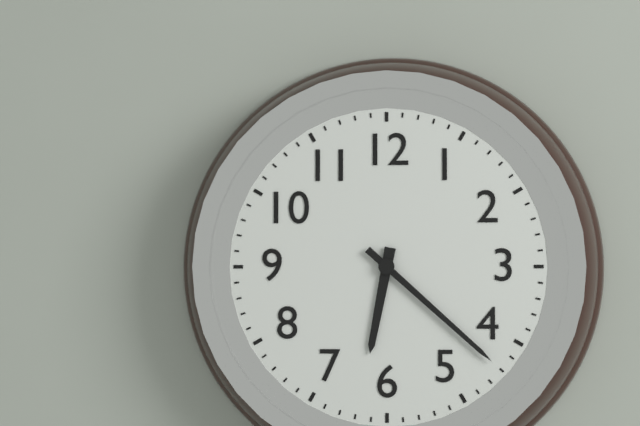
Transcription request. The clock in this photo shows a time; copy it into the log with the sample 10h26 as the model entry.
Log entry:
6h22
